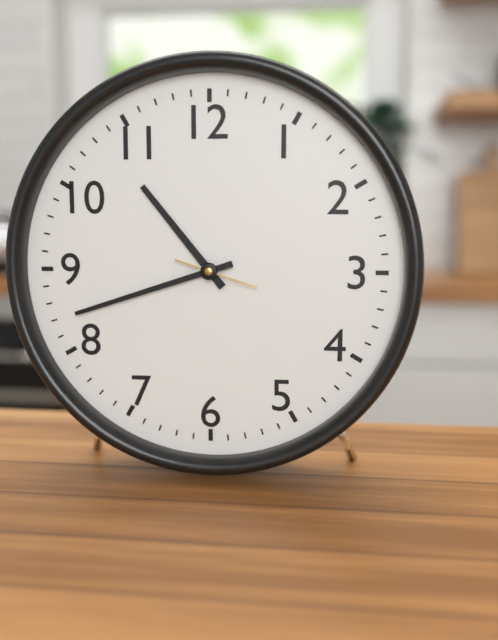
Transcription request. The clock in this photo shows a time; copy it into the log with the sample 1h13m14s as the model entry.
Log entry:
10h42m18s
